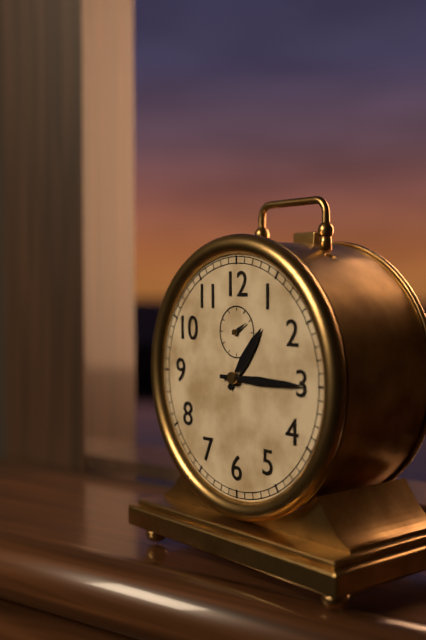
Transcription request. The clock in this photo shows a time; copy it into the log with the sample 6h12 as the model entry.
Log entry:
1h15
